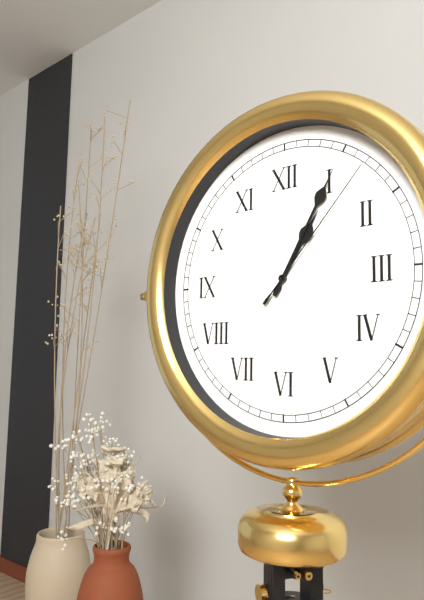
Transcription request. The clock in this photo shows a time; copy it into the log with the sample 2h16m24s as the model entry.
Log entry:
1h05m07s
